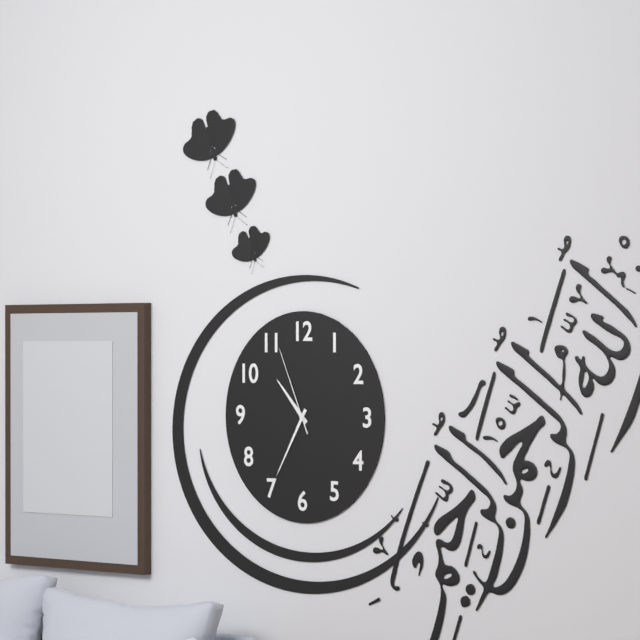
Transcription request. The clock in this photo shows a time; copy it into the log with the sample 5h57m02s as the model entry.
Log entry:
10h35m56s
